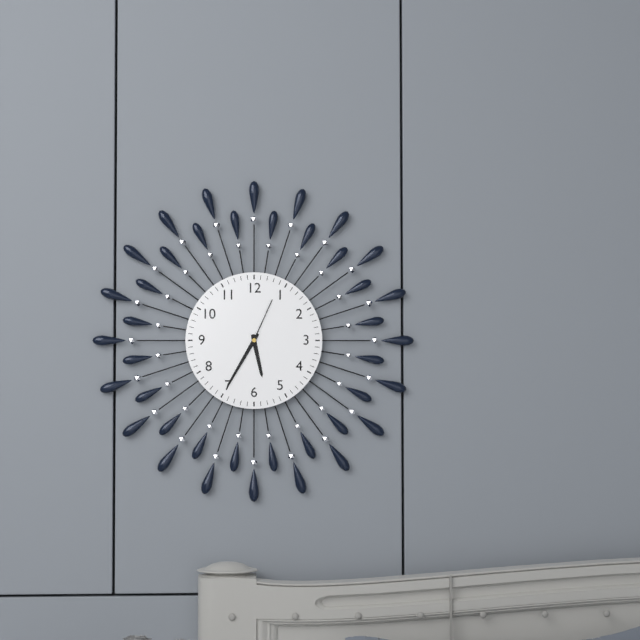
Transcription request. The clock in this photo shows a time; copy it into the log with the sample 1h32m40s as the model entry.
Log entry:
5h35m04s
